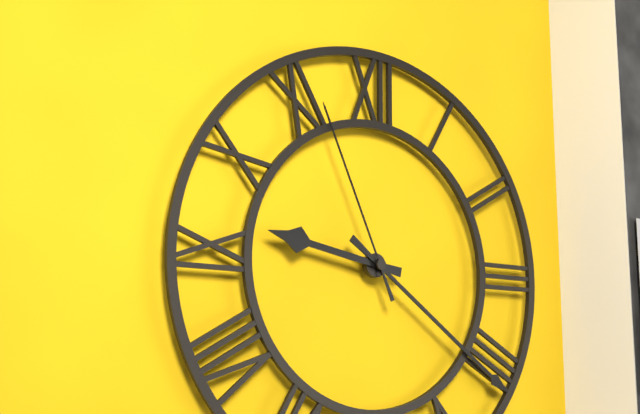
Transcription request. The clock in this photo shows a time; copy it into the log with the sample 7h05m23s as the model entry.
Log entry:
9h21m56s
